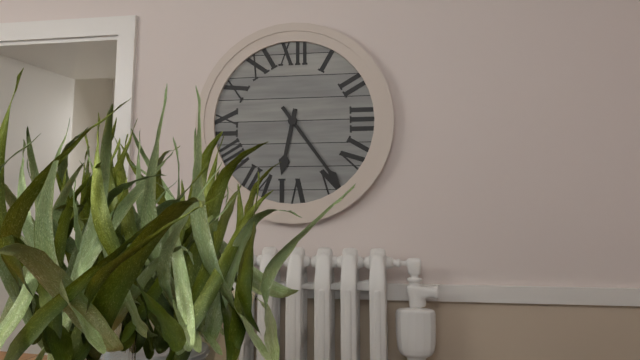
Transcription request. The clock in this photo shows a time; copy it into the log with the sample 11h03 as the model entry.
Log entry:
6h24
